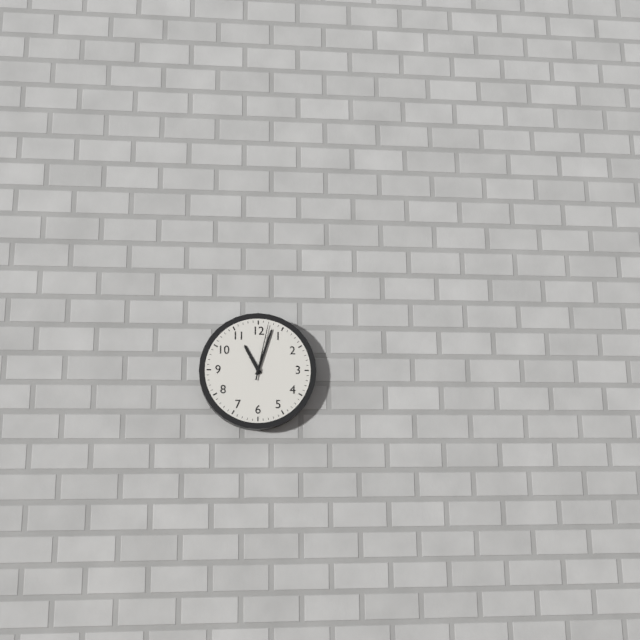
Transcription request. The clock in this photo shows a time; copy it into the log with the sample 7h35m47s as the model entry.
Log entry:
11h03m02s
